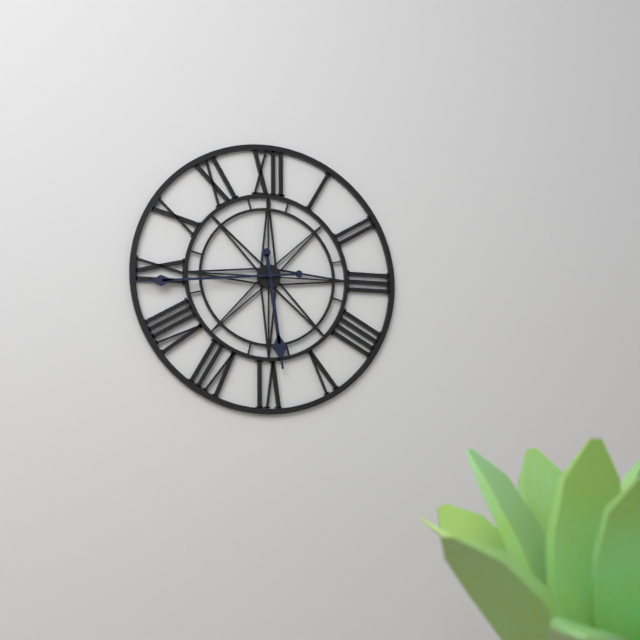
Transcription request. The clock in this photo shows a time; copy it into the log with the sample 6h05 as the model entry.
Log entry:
5h44
